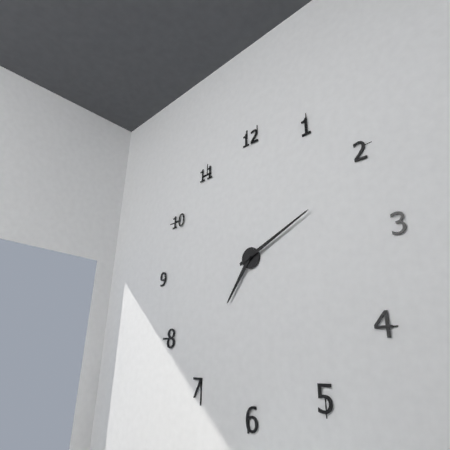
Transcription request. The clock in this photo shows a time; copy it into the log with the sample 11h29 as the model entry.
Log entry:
7h11
